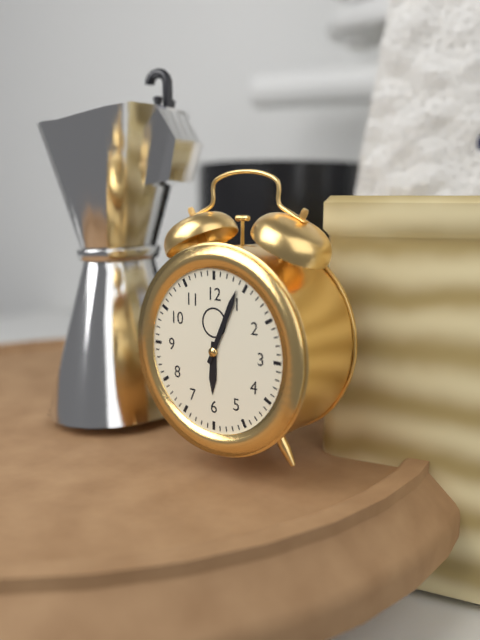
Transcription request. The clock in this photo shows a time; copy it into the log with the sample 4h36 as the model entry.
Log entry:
6h04
